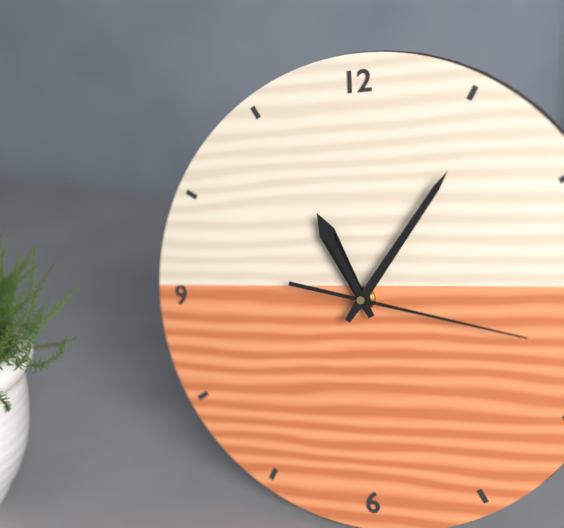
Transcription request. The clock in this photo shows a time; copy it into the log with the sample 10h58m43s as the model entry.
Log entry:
11h06m17s
